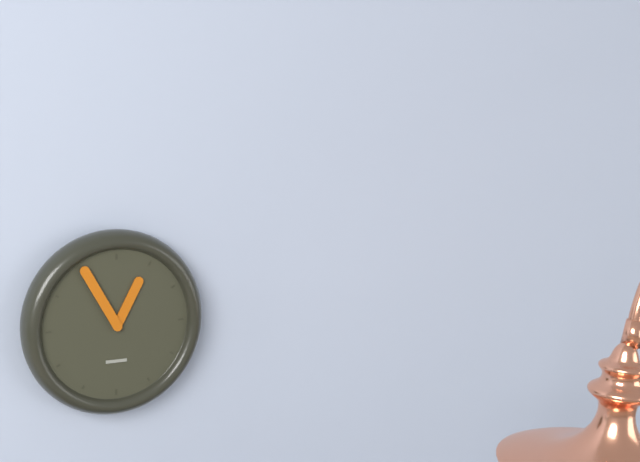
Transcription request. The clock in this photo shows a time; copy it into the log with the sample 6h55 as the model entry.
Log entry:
12h55
